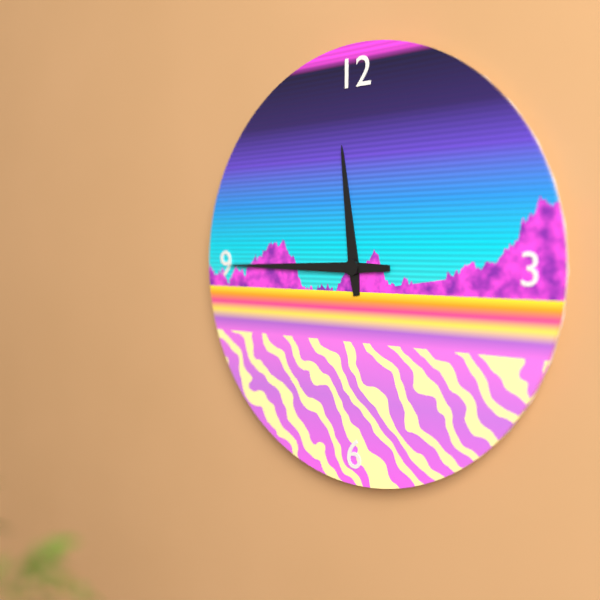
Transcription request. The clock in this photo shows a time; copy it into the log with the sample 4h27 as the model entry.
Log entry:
11h45
